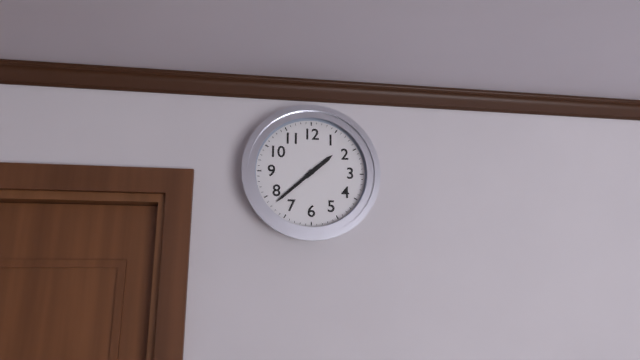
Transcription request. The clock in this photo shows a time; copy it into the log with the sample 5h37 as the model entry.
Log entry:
1h38
